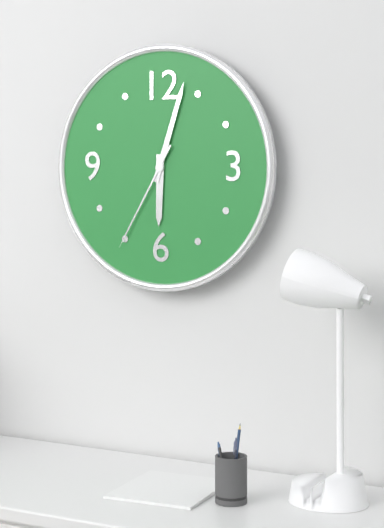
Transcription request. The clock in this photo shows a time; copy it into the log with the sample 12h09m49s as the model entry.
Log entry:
6h03m35s
